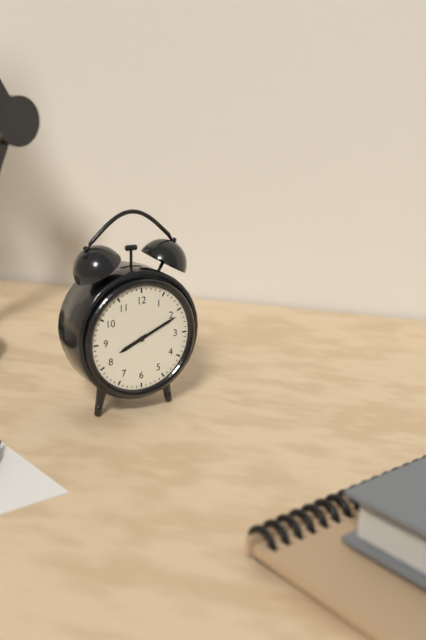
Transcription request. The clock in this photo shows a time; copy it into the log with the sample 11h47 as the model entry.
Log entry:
8h11
